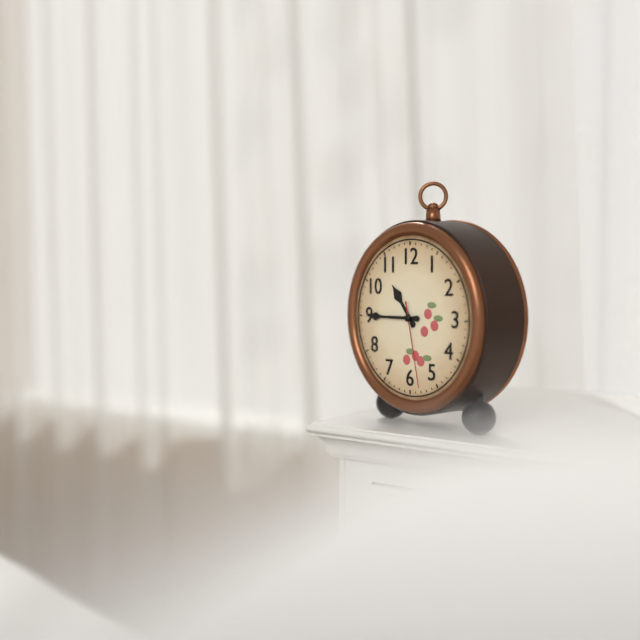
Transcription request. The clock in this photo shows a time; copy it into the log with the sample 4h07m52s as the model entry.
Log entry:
10h45m28s
